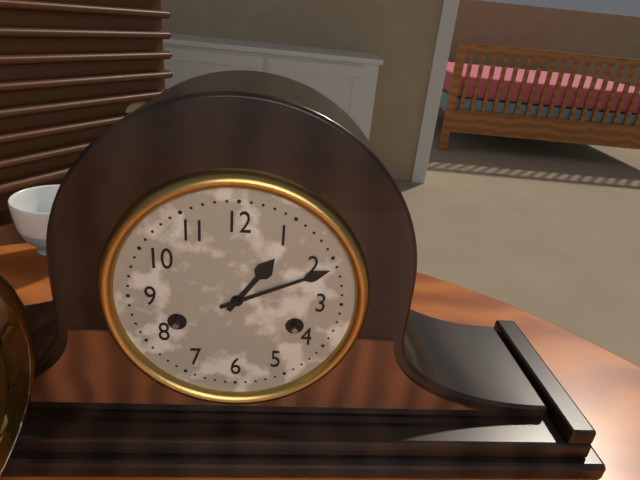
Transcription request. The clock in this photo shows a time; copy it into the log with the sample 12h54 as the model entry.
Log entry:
1h11
